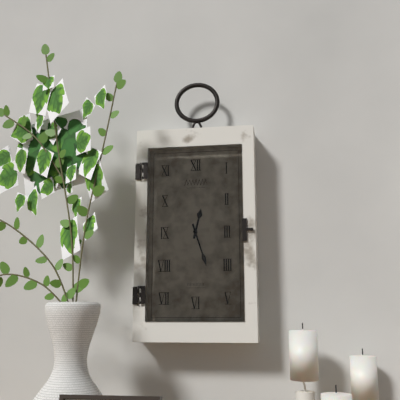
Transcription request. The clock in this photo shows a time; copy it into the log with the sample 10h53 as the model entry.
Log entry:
12h27
